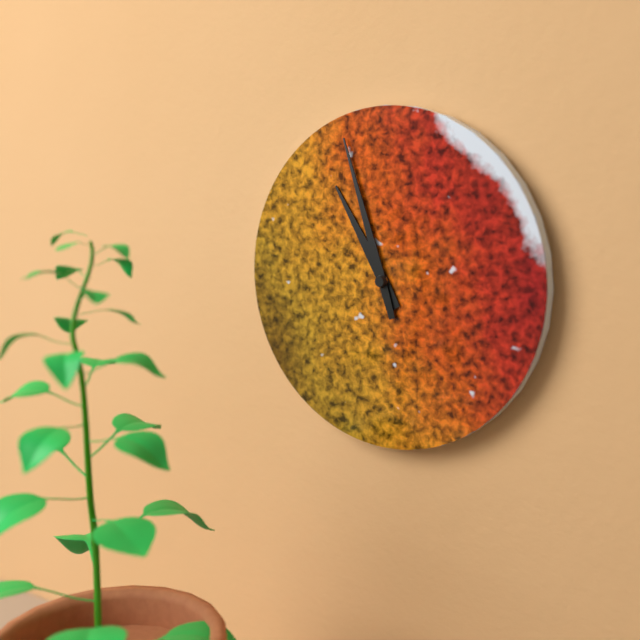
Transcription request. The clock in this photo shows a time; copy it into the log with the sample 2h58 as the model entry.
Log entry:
10h57
